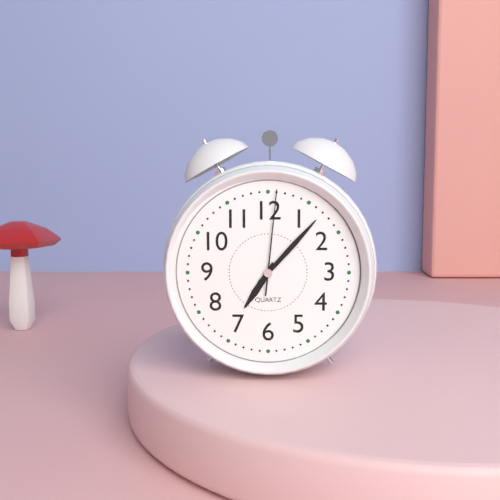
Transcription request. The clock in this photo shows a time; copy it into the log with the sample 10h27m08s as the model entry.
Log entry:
7h07m01s
